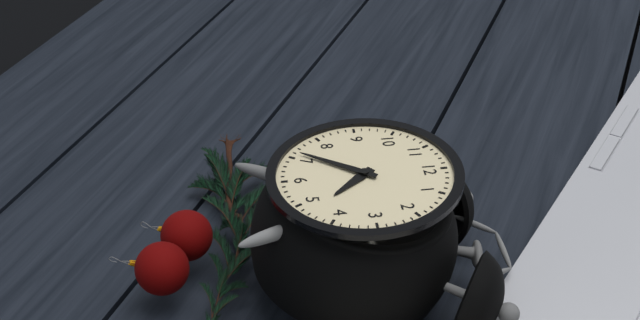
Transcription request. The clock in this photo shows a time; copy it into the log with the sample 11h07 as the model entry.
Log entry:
4h36
